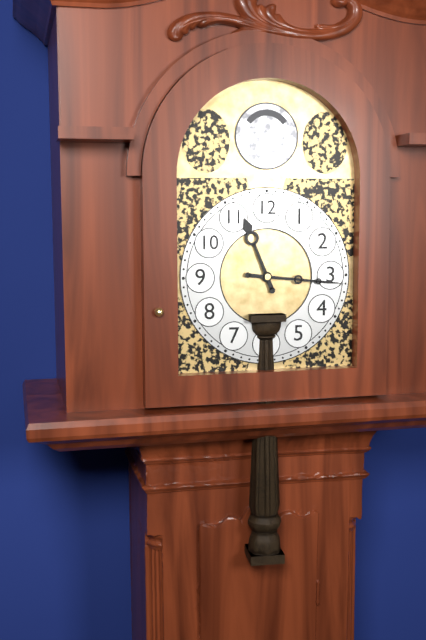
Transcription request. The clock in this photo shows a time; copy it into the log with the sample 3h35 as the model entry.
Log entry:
11h16
